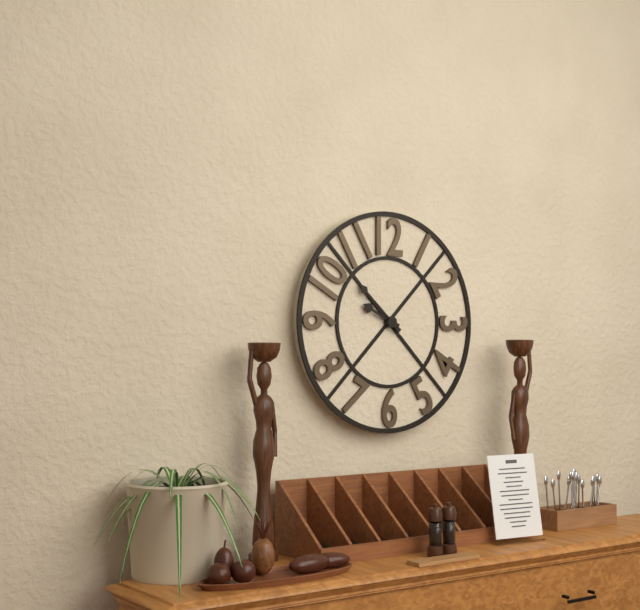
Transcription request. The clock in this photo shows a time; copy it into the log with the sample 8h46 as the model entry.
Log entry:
9h52
